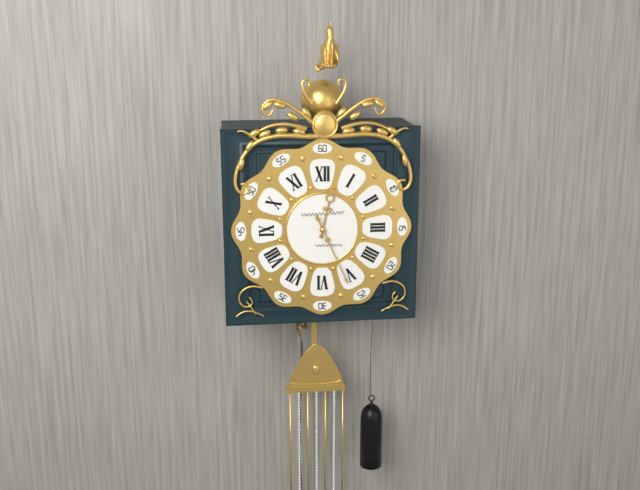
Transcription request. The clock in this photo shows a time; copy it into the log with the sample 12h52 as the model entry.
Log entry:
12h26
